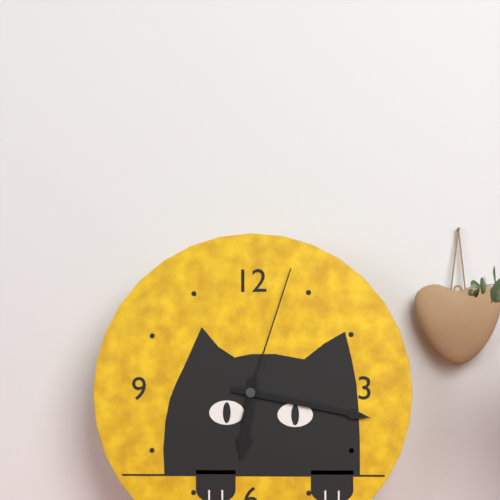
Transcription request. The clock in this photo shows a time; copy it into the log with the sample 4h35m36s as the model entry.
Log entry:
6h17m03s
